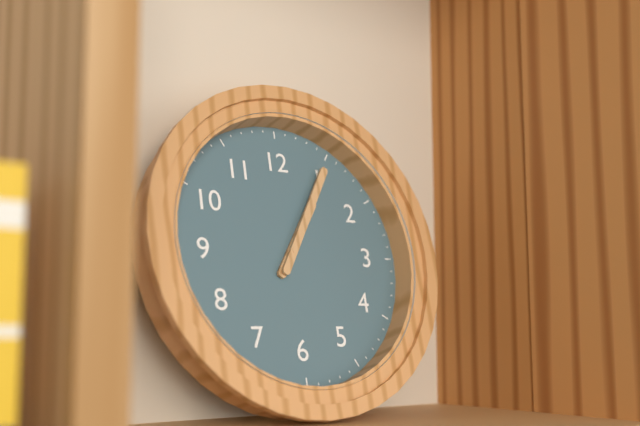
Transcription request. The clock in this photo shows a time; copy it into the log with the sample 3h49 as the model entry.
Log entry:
1h05
